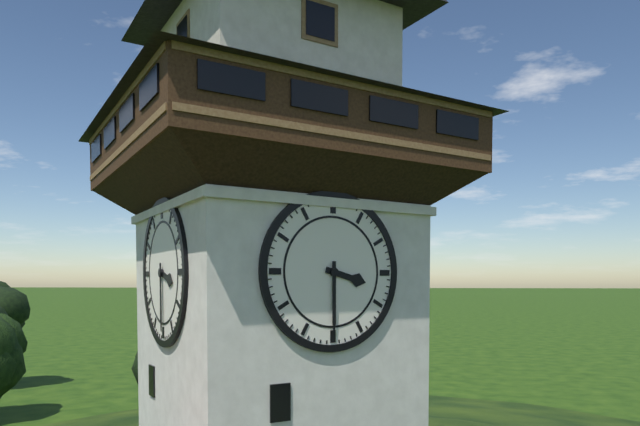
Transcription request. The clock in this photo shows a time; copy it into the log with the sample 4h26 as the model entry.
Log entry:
3h30
